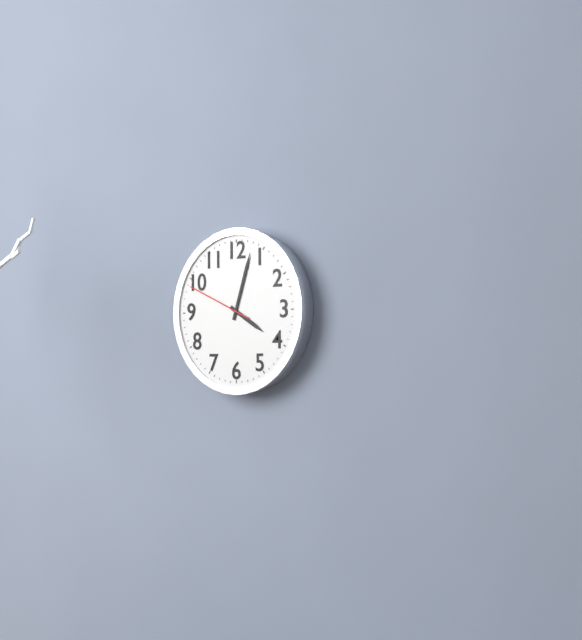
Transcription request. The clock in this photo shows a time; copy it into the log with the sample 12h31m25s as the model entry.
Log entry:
4h03m49s
